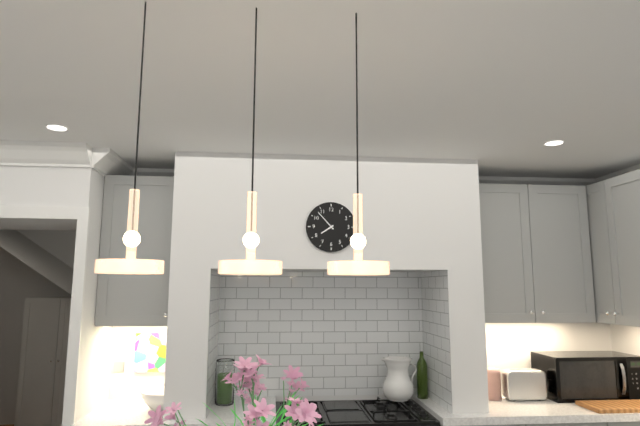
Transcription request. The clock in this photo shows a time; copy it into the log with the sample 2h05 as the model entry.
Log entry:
7h53
